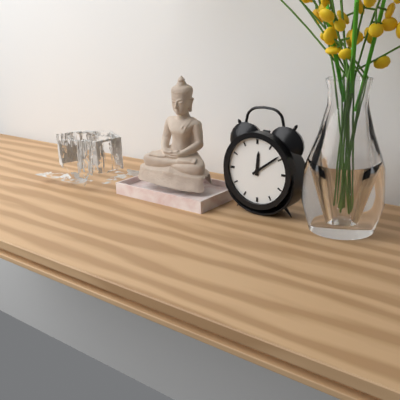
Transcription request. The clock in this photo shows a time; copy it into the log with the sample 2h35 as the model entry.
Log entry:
12h09
